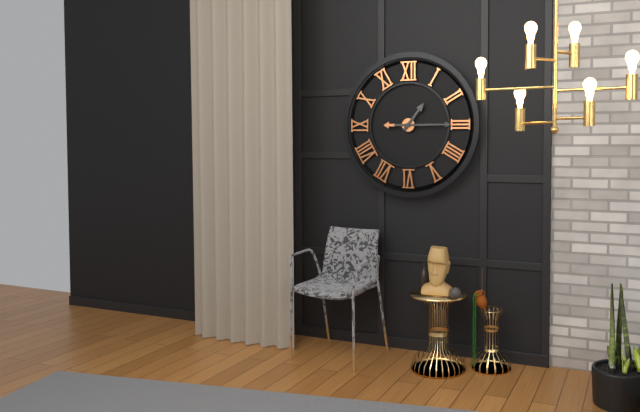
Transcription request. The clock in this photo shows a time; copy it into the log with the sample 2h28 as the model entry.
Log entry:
1h15
